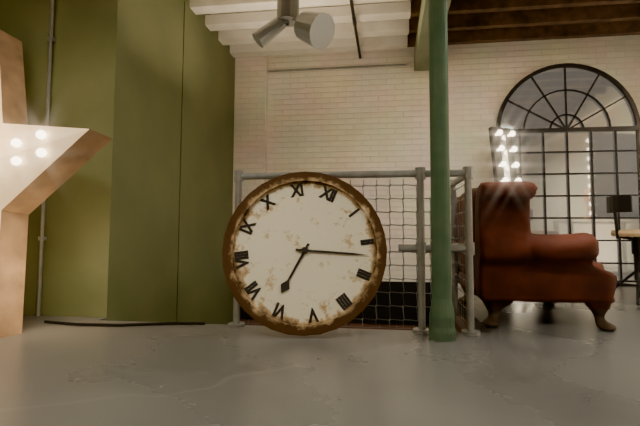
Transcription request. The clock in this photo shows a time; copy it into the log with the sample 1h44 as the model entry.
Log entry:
6h12
